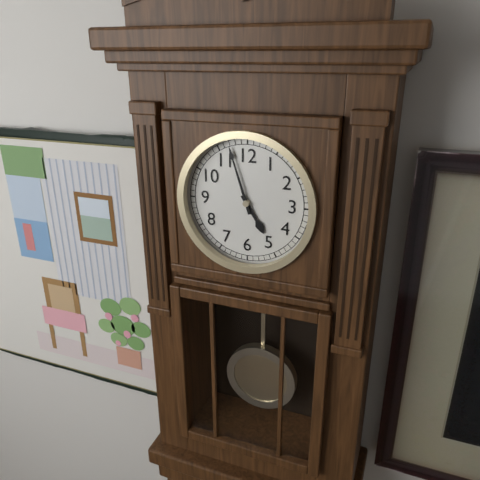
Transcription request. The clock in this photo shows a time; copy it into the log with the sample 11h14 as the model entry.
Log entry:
4h57
